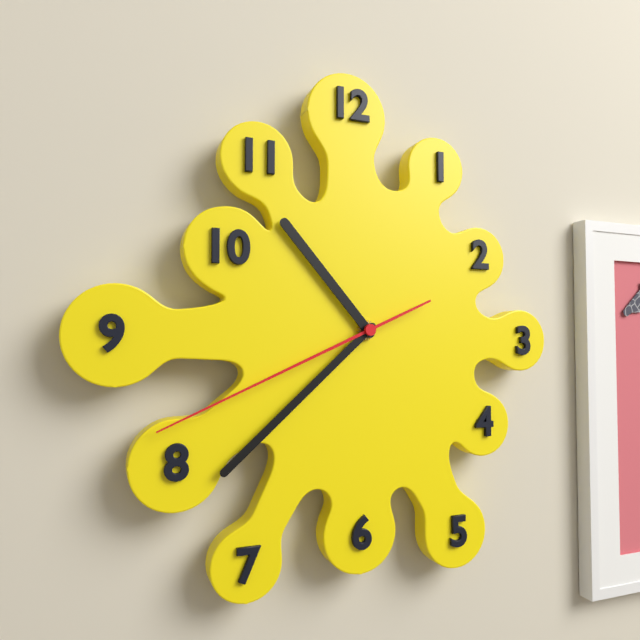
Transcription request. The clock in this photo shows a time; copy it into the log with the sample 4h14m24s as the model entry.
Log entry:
10h38m41s
